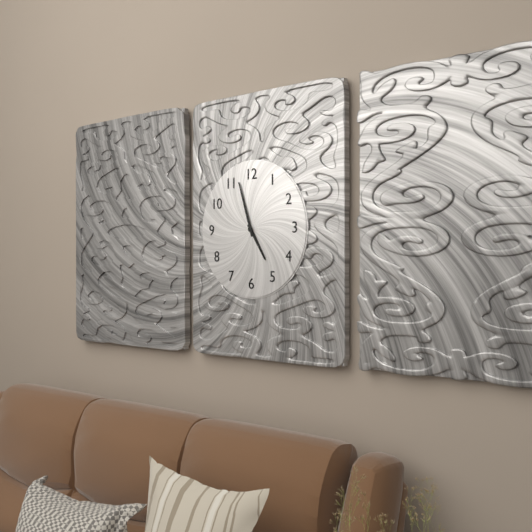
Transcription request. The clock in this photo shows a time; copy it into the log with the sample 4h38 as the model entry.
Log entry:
4h57
